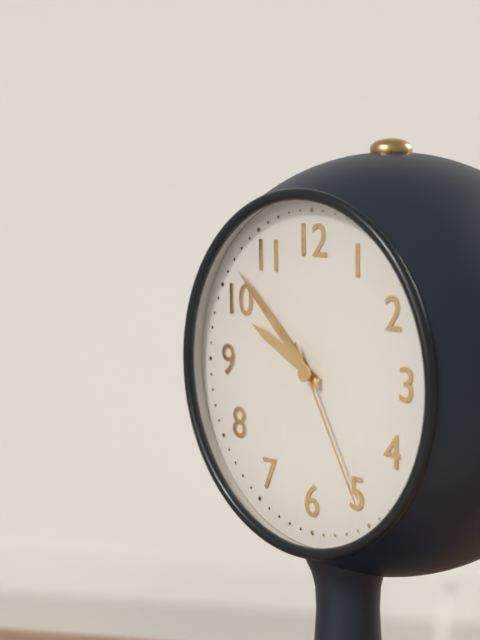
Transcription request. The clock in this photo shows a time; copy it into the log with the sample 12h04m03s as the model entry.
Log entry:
9h52m25s
